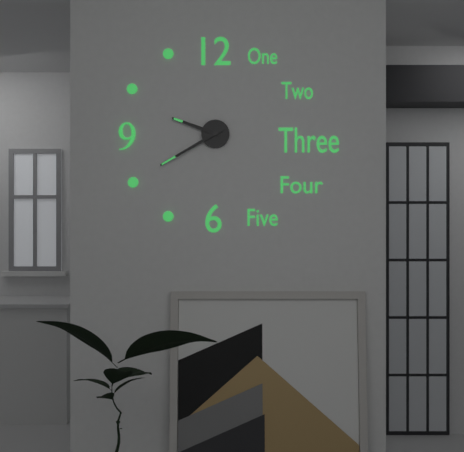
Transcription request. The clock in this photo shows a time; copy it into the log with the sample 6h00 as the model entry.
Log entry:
9h40
